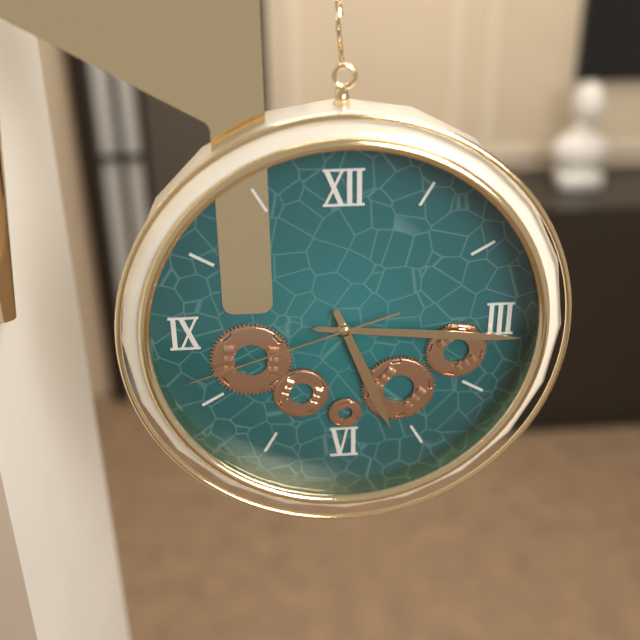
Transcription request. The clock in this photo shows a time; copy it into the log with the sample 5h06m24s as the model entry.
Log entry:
5h16m42s
